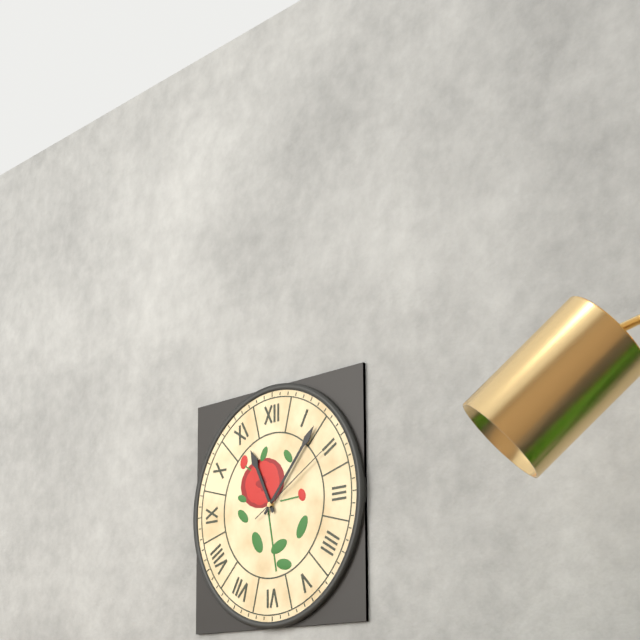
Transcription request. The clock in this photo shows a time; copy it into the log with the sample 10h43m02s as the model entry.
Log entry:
11h07m10s
